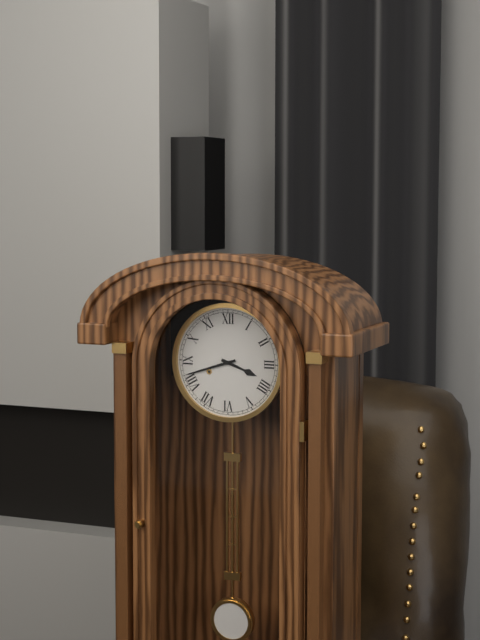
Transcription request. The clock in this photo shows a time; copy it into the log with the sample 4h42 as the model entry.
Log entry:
3h42
